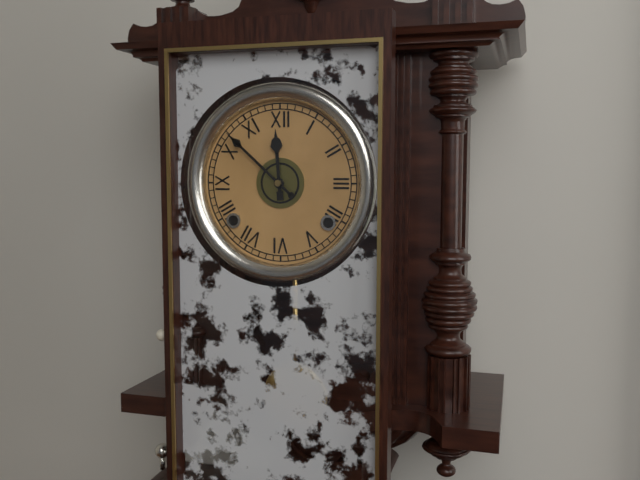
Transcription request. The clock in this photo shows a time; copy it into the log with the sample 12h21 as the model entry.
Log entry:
11h52
